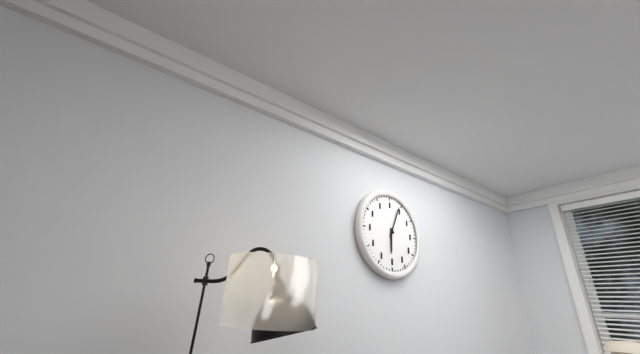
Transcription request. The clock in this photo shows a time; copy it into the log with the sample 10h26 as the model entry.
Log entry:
6h04
